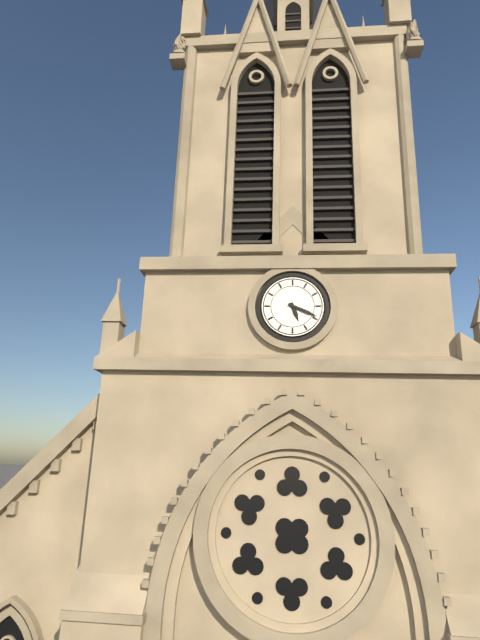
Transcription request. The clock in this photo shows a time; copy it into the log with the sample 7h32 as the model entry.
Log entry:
5h19
